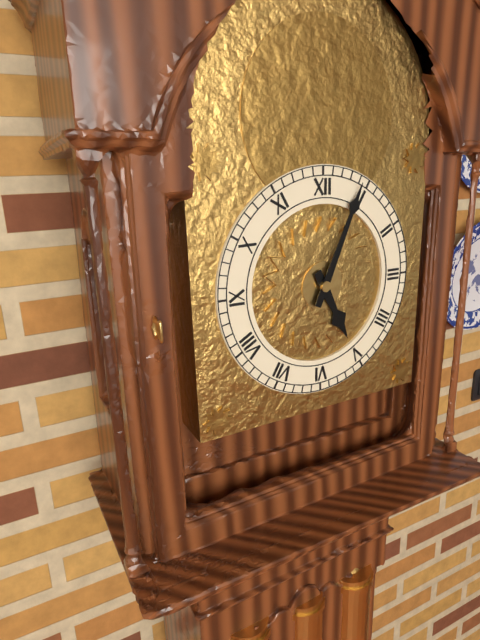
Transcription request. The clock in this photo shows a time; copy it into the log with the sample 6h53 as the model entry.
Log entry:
5h04
